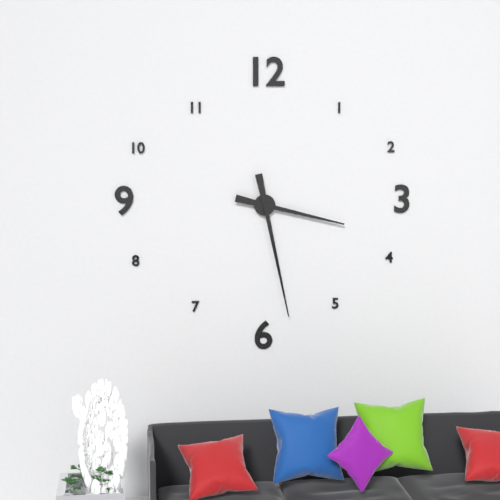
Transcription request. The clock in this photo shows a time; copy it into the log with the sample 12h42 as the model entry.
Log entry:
3h28
